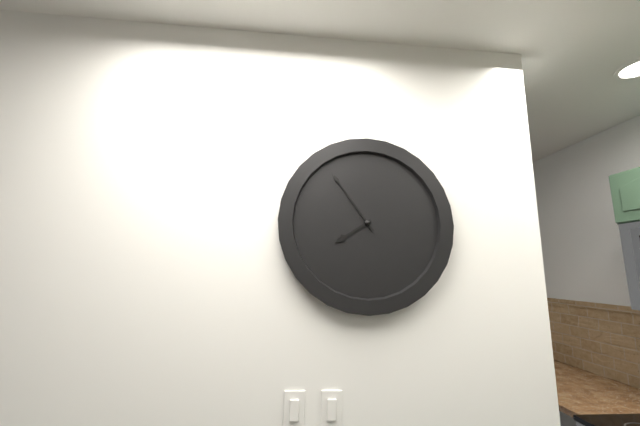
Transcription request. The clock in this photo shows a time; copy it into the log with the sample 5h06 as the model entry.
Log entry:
7h54
